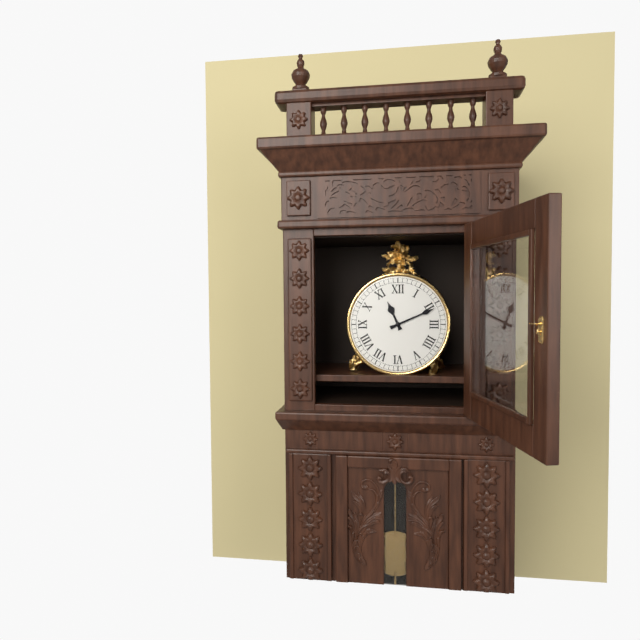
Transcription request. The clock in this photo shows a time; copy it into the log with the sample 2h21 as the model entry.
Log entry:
11h11
